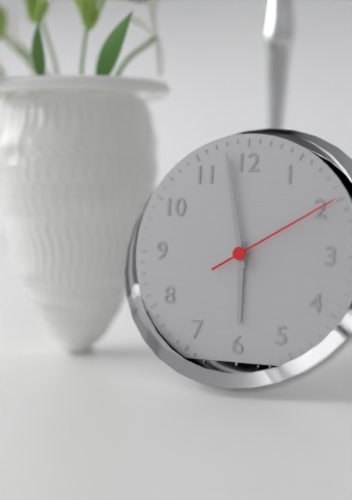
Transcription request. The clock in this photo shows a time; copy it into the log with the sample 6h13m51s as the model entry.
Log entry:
5h58m10s
